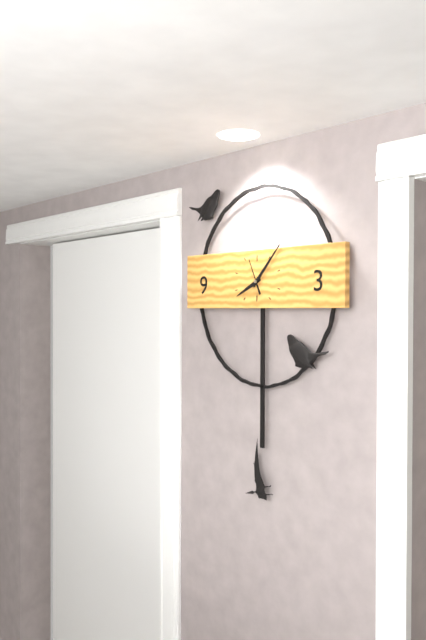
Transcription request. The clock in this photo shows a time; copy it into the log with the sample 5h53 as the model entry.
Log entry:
8h07
